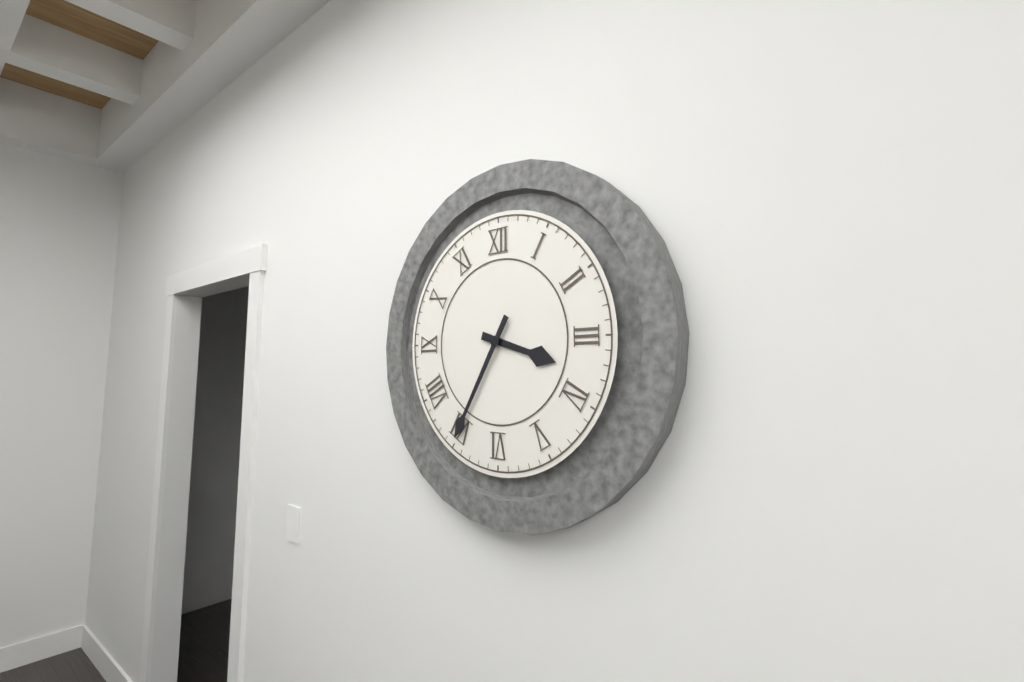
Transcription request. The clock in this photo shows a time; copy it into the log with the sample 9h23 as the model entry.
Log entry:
3h35
